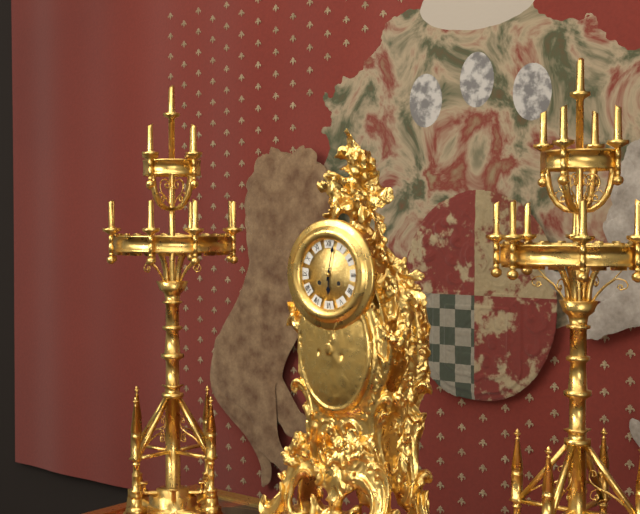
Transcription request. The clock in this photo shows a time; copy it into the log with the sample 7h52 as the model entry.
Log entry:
6h02
